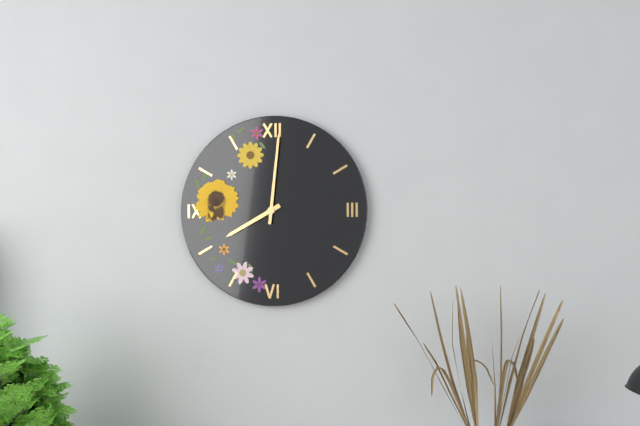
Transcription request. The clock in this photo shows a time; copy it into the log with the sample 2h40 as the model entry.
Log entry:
8h01
